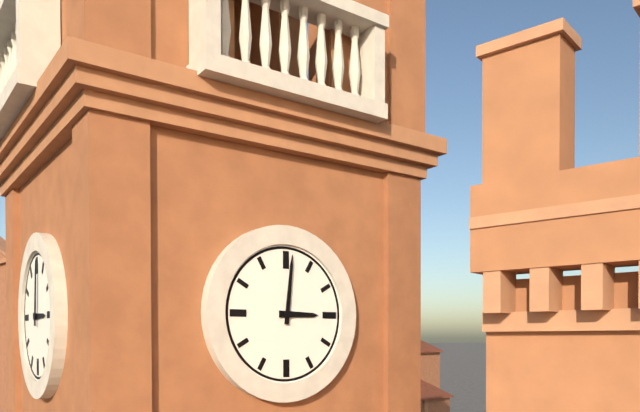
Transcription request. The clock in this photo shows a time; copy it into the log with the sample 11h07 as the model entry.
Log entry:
3h01
